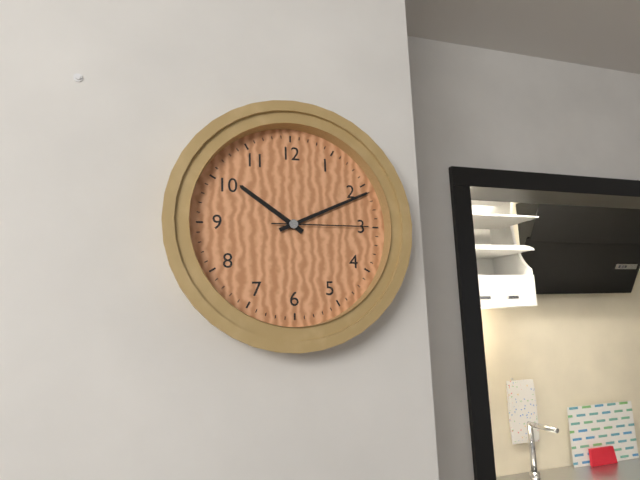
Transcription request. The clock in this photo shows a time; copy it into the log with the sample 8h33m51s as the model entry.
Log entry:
10h11m15s
